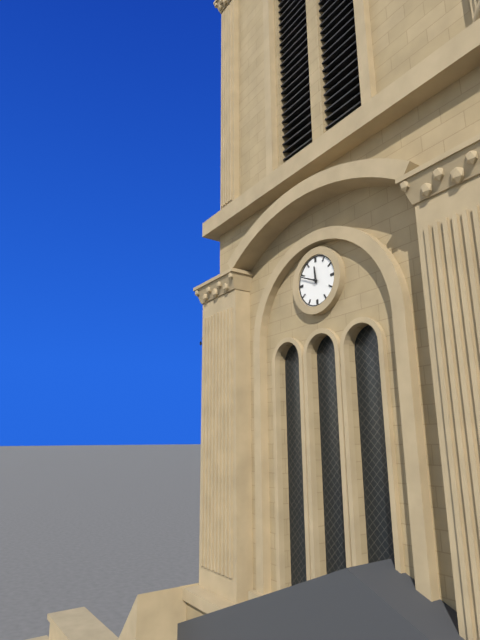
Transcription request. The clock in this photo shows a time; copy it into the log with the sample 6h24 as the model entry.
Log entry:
11h49
